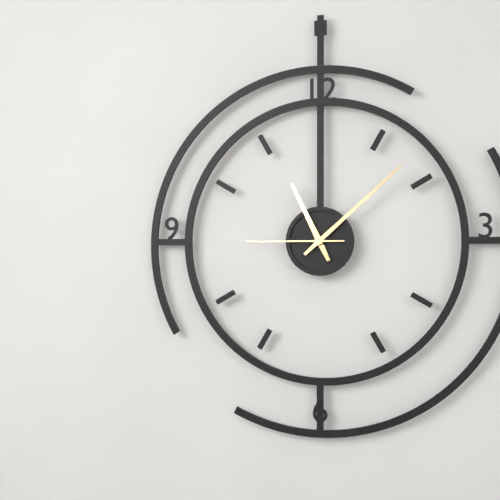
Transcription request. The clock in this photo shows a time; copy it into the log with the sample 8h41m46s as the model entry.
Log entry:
11h08m45s
